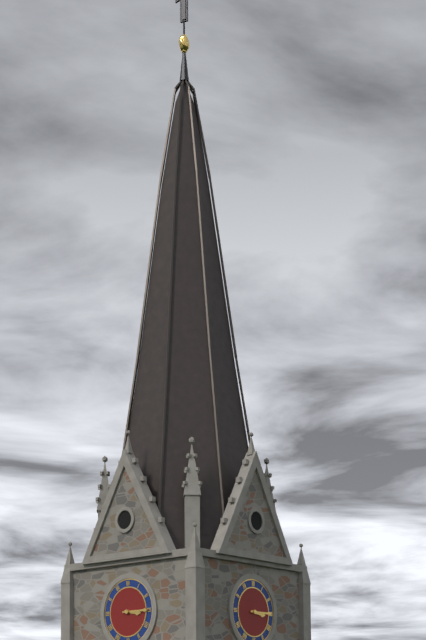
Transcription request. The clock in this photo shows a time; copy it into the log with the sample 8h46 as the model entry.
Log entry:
3h15
